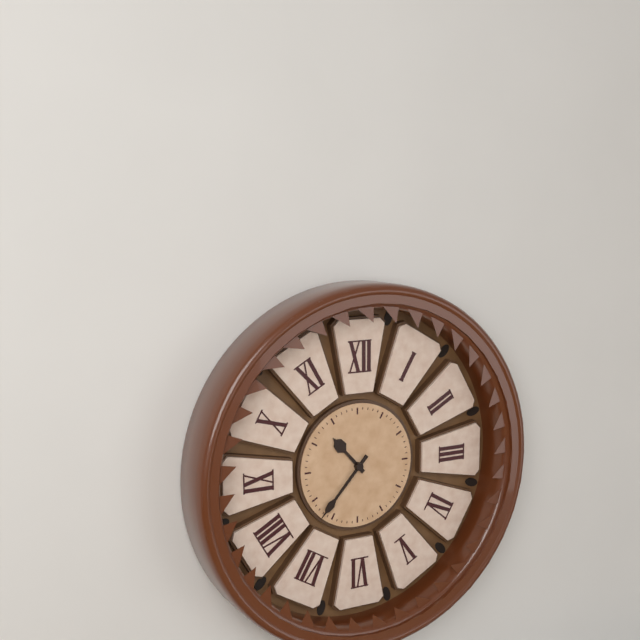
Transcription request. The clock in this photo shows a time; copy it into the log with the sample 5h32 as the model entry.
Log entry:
10h37
